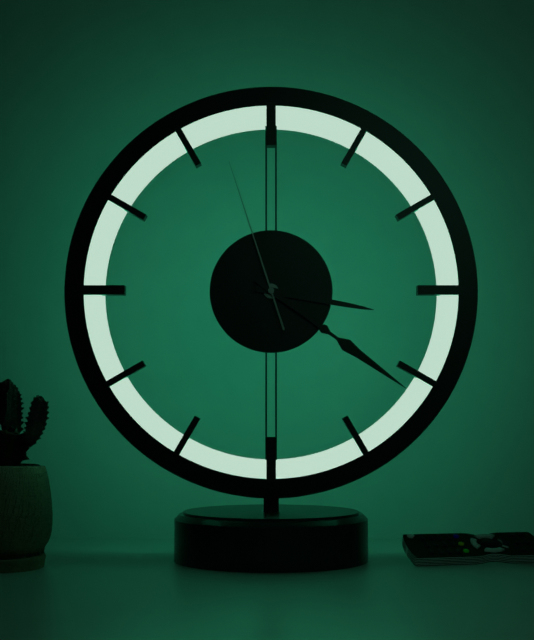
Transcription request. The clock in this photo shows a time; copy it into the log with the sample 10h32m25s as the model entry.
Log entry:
3h21m57s
